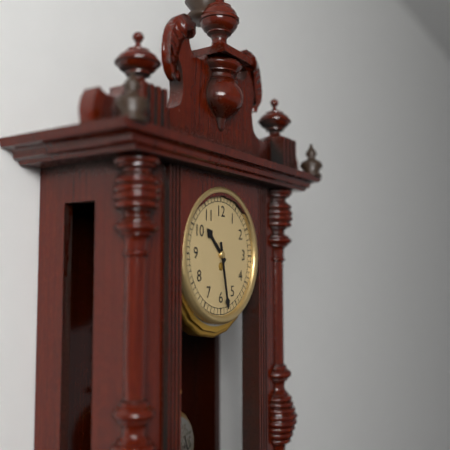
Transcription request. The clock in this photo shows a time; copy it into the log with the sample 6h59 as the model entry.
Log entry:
10h28
